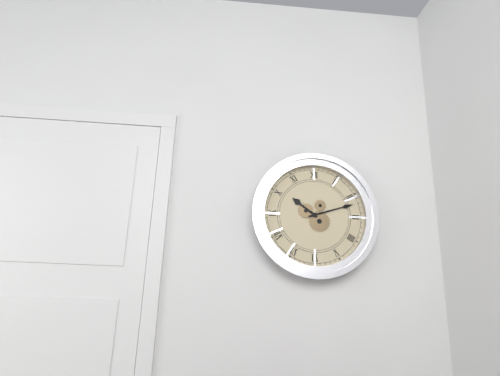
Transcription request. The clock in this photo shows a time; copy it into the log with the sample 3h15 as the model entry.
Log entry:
10h12
